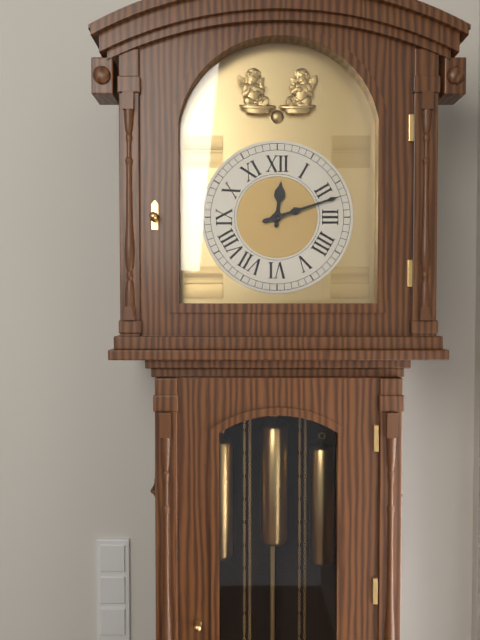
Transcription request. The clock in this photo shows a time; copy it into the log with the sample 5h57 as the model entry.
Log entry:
12h12
